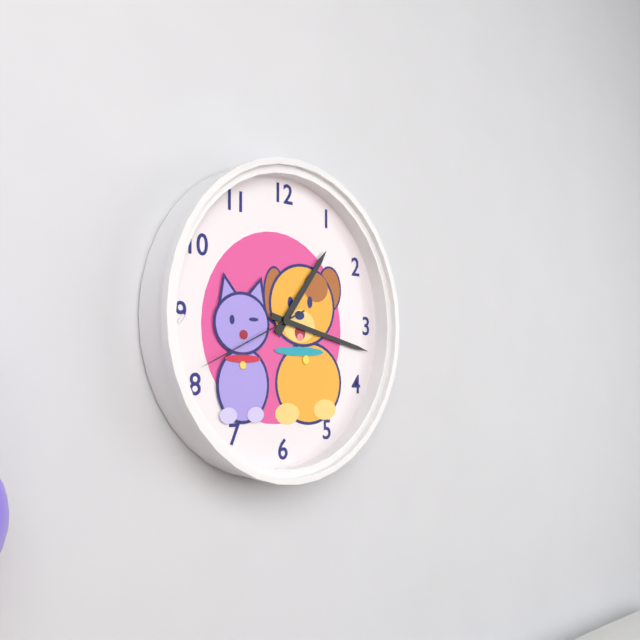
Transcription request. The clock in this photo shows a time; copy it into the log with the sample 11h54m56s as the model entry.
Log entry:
1h17m41s
